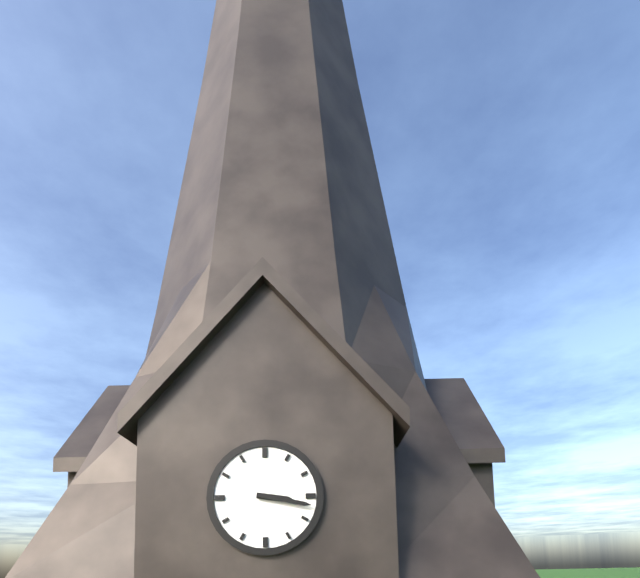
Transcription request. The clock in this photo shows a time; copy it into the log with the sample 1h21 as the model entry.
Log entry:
3h17
